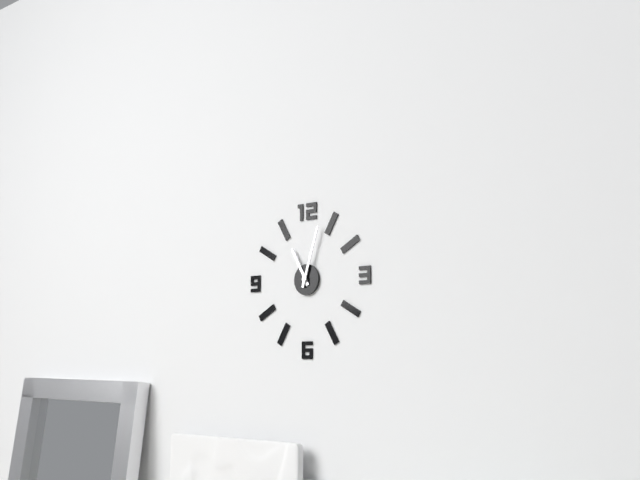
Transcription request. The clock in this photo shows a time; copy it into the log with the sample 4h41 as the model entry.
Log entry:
11h03
